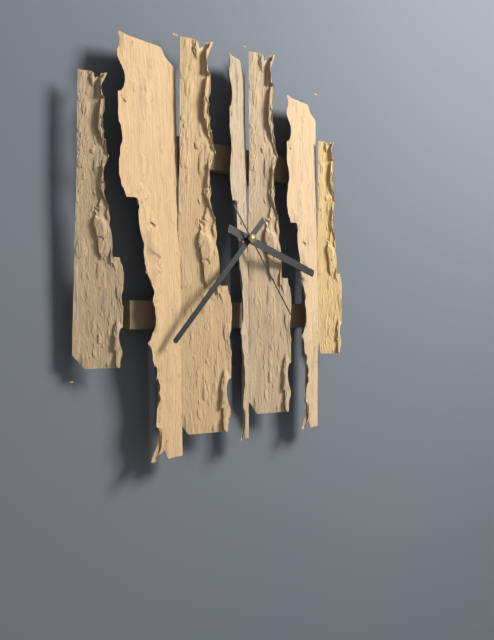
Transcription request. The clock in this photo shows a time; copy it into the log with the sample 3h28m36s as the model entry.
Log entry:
3h37m24s
